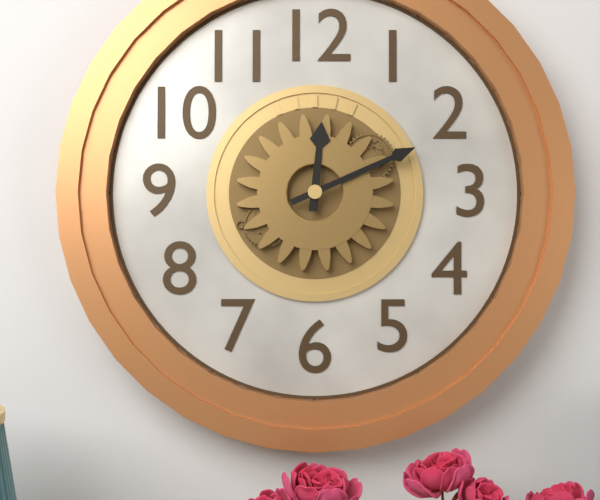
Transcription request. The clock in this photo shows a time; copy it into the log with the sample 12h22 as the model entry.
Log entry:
12h11
